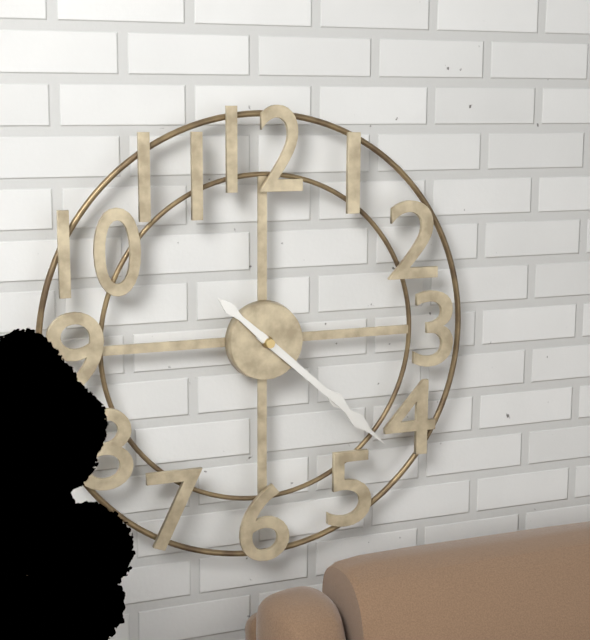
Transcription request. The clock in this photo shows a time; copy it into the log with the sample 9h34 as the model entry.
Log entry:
4h22
